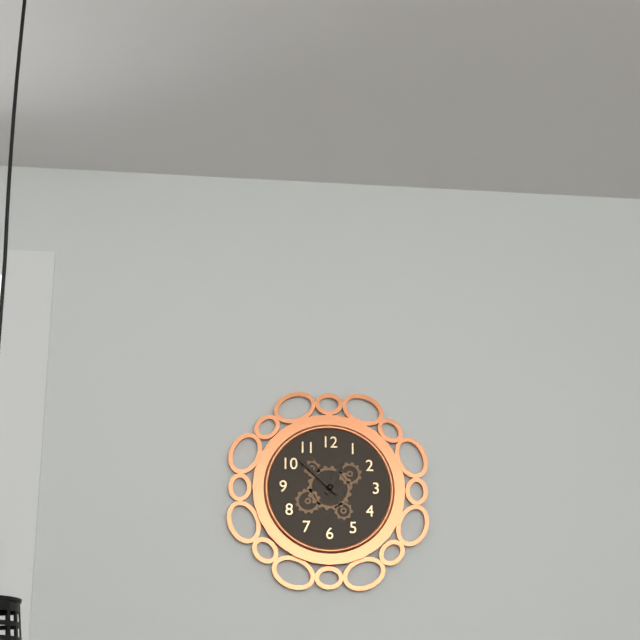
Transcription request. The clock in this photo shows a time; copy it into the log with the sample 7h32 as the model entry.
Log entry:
12h52
